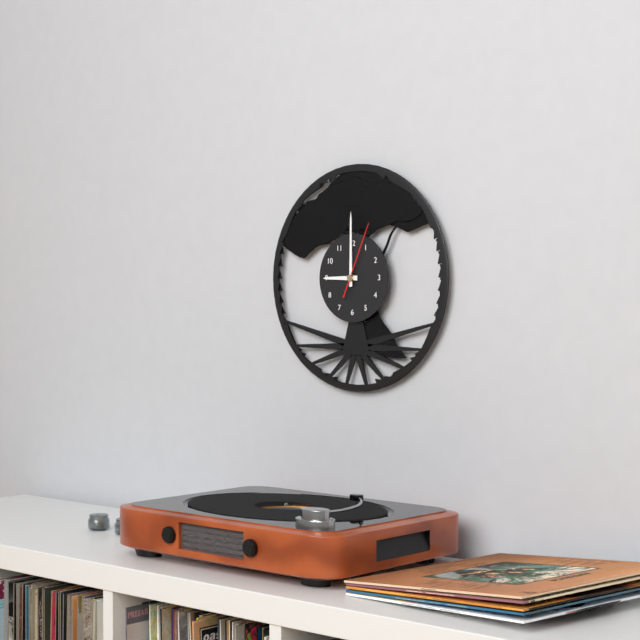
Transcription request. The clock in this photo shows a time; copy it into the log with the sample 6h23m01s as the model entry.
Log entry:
9h00m04s
